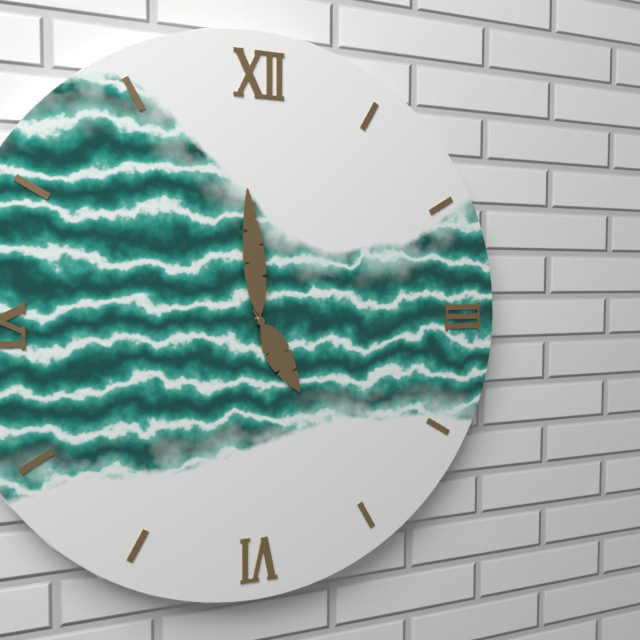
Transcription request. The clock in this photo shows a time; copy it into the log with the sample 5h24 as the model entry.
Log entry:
4h59
